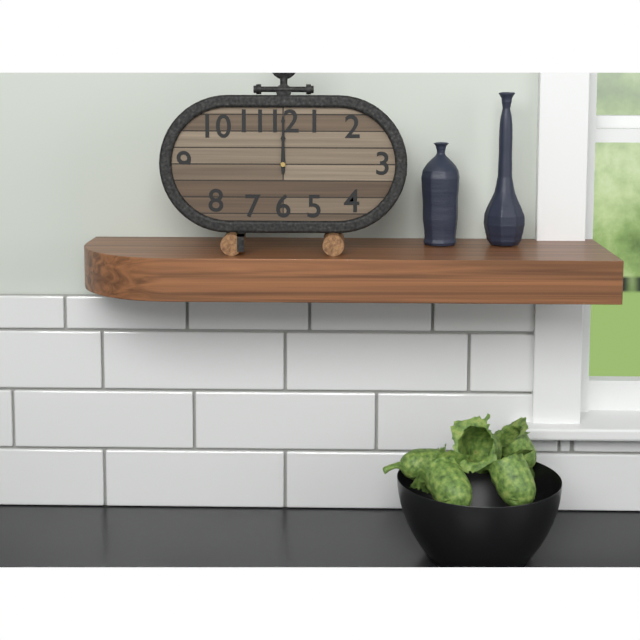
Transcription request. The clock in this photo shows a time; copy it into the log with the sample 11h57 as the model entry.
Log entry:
12h00
